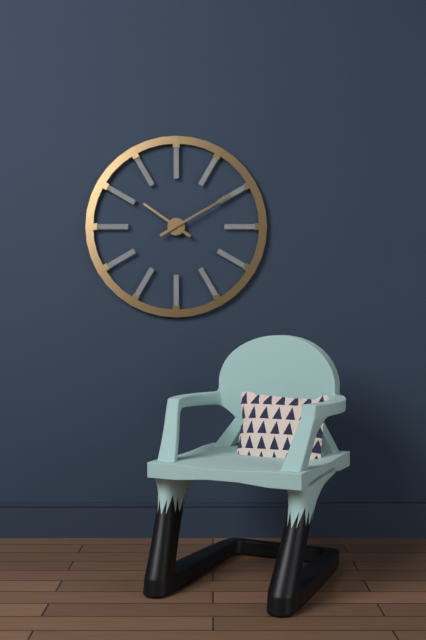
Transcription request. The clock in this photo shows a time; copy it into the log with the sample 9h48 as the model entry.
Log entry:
10h10
